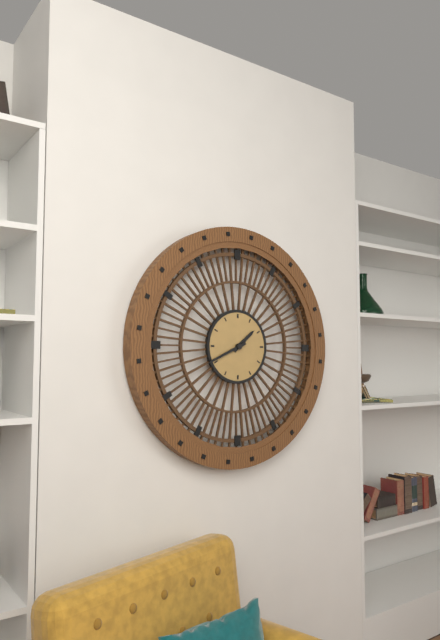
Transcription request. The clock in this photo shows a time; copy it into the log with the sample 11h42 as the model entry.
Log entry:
1h41
